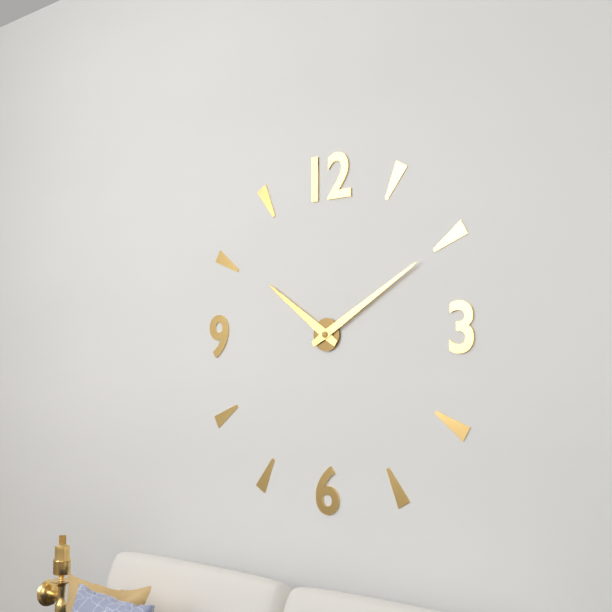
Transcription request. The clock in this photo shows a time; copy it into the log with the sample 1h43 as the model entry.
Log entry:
10h10
